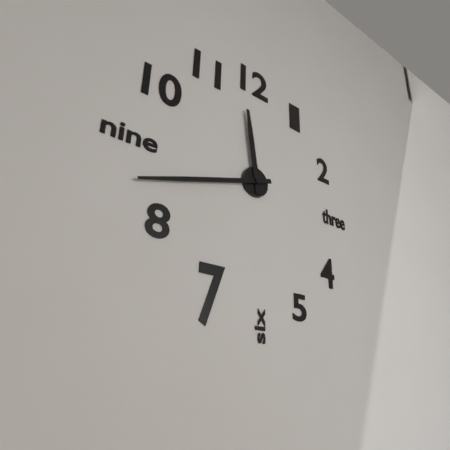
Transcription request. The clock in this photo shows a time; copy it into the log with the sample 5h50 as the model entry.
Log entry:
11h42
